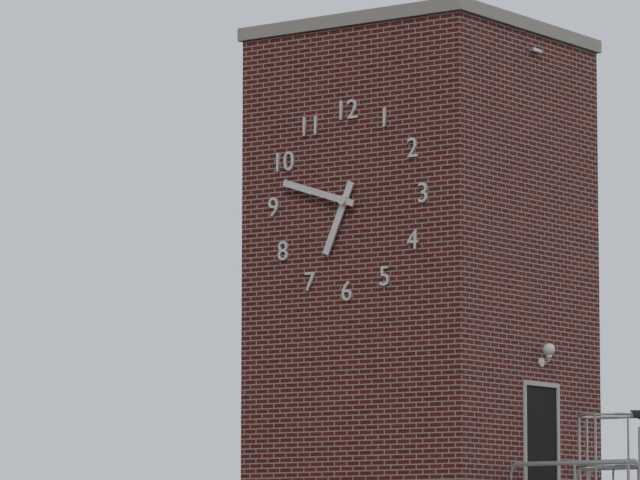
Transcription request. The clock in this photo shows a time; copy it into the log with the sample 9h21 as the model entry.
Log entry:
6h48
